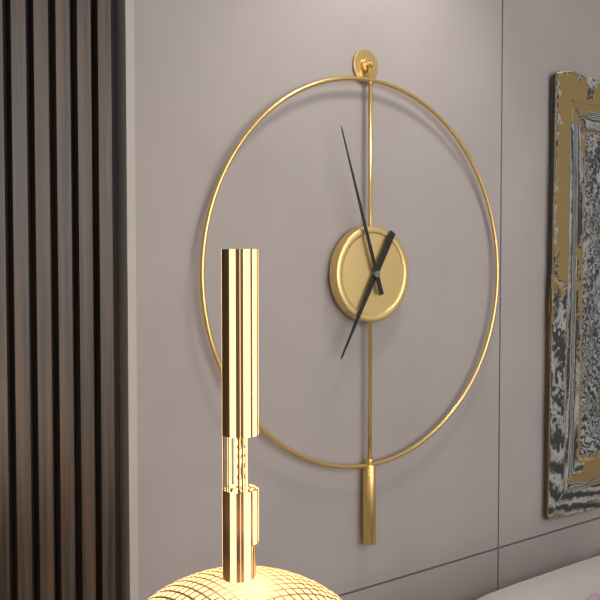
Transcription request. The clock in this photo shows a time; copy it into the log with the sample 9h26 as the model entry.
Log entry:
6h57
